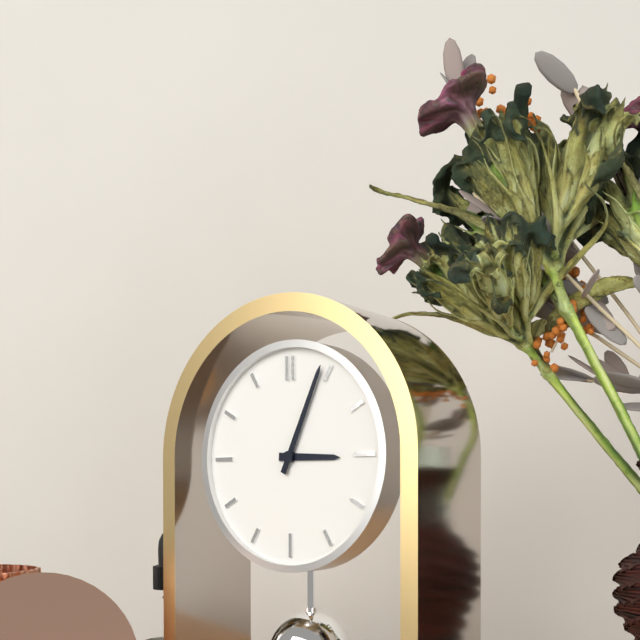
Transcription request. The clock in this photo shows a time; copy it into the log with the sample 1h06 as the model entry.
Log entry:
3h04
